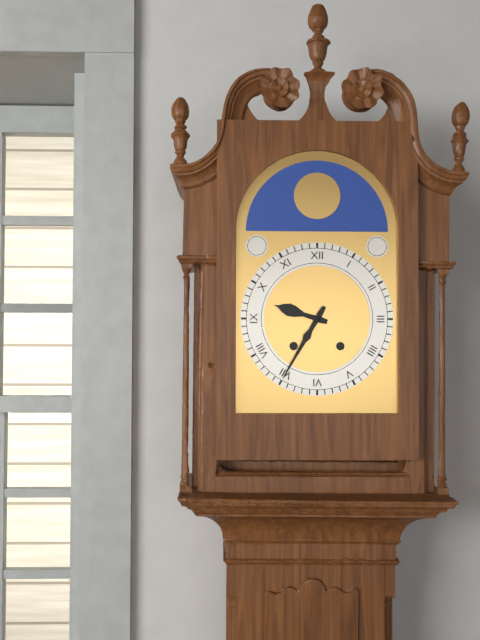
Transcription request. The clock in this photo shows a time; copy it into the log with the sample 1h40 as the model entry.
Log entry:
9h35
